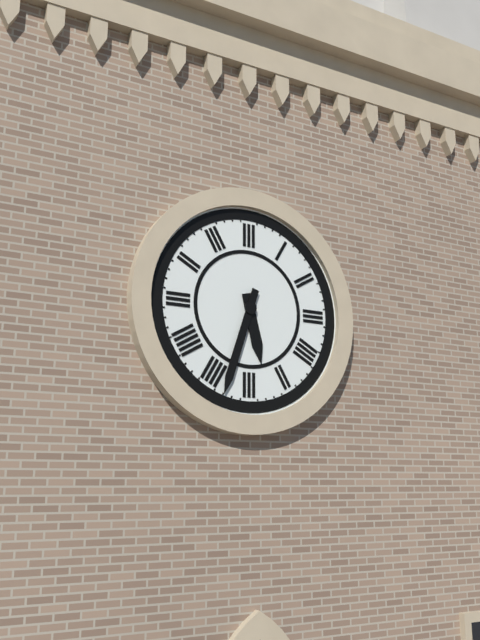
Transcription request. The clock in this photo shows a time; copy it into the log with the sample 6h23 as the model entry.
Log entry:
5h33
